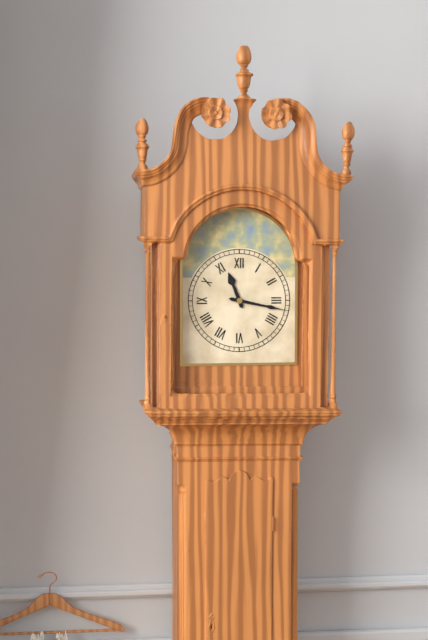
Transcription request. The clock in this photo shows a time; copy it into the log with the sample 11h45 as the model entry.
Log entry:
11h17
